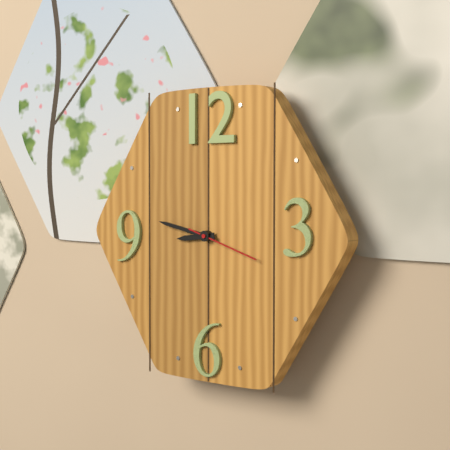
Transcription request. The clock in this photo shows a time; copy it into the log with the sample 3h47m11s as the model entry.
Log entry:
8h47m18s
